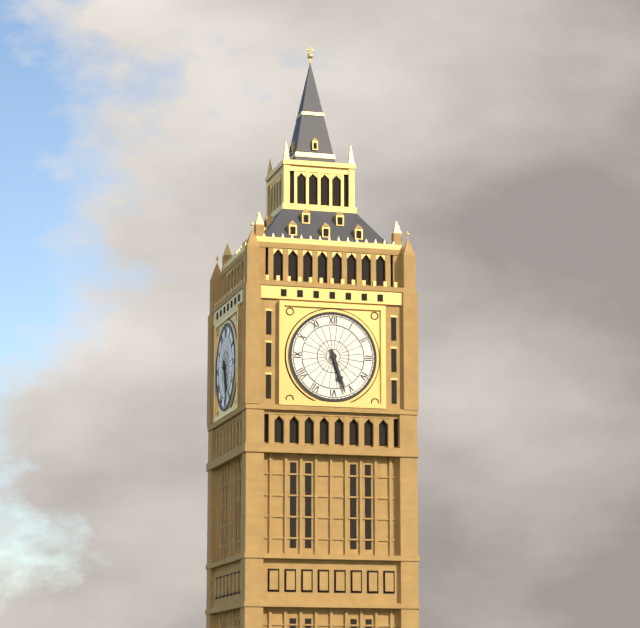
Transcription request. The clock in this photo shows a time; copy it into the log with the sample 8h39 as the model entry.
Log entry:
5h27
